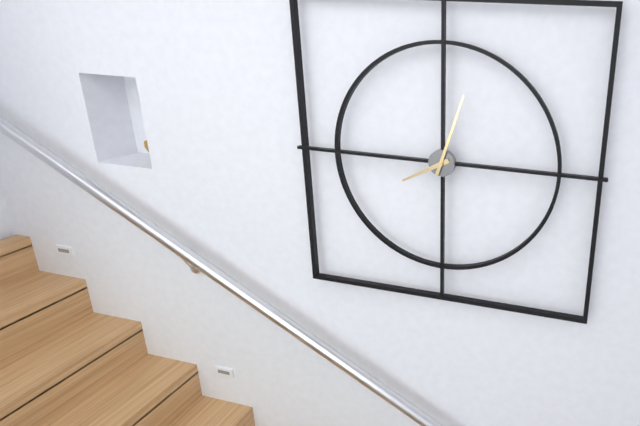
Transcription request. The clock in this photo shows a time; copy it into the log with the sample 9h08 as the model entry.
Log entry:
8h03
